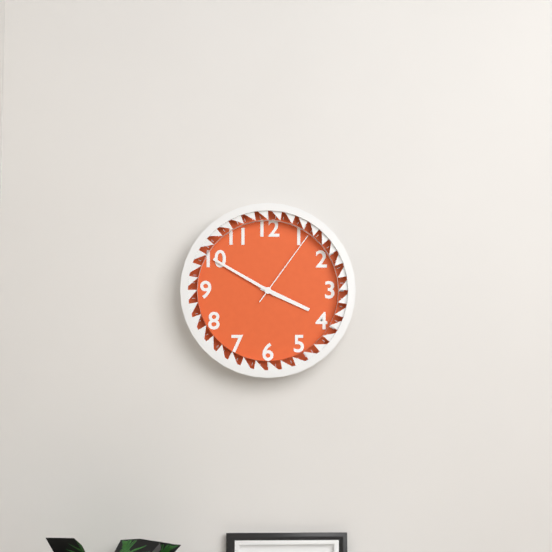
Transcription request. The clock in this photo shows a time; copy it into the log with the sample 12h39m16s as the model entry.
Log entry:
3h50m06s
